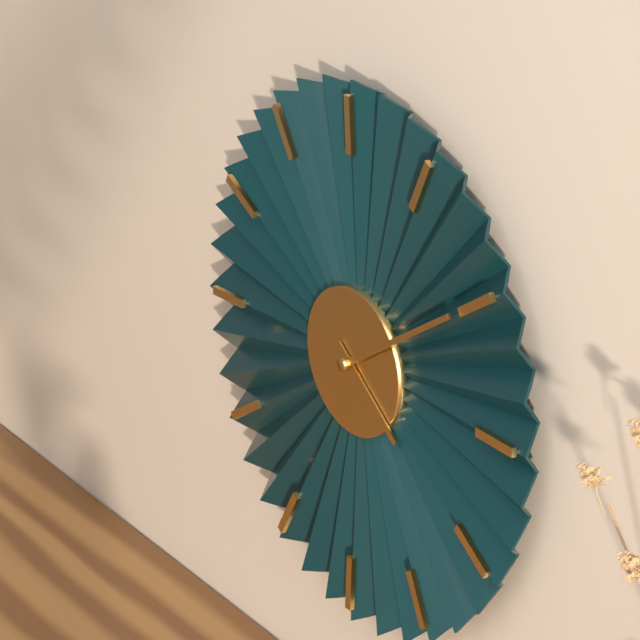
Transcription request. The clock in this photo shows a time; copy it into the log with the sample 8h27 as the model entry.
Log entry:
4h10
